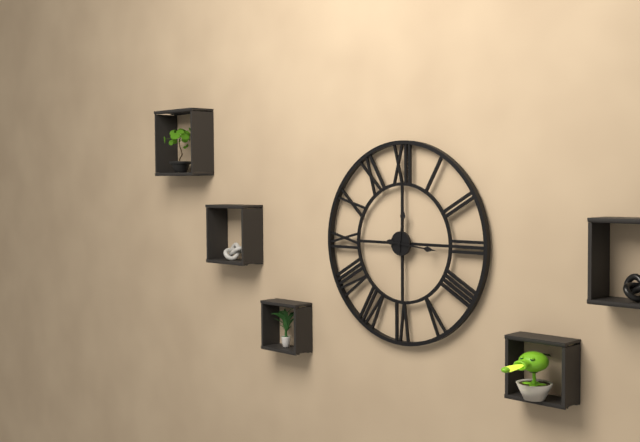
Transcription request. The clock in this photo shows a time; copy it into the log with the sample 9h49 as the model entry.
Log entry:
12h16
